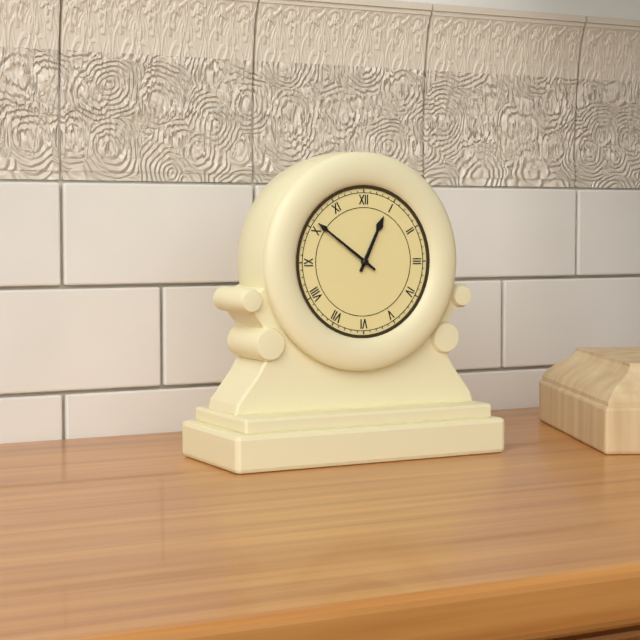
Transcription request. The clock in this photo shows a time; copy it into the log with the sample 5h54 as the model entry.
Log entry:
12h51
